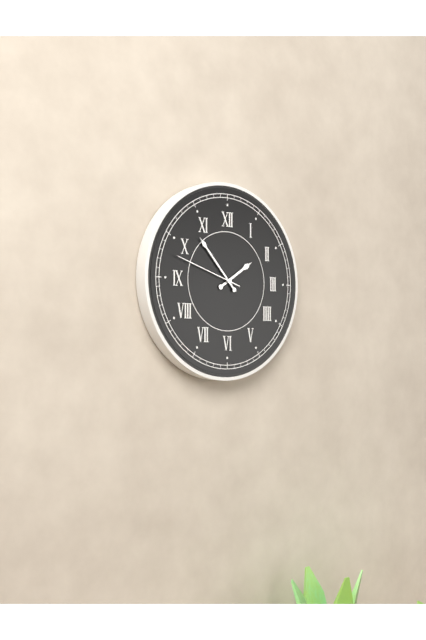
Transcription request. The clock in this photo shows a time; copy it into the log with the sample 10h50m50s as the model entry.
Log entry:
1h53m48s
